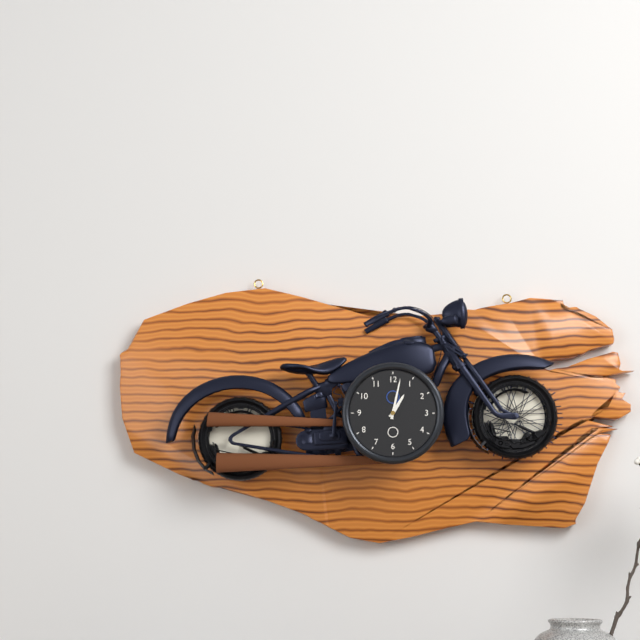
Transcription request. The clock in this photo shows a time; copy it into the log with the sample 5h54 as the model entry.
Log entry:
1h02
